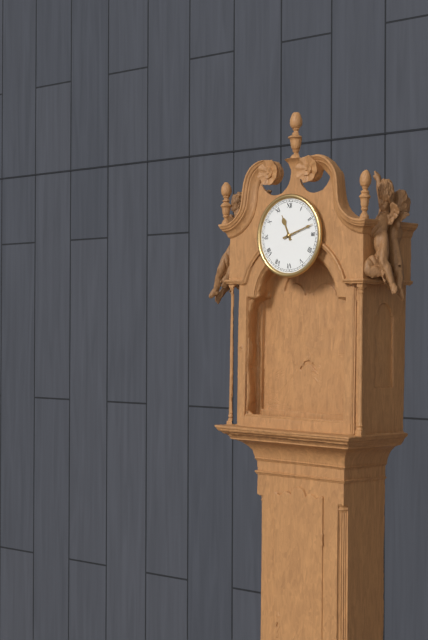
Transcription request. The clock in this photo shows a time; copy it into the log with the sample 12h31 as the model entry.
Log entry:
11h12
